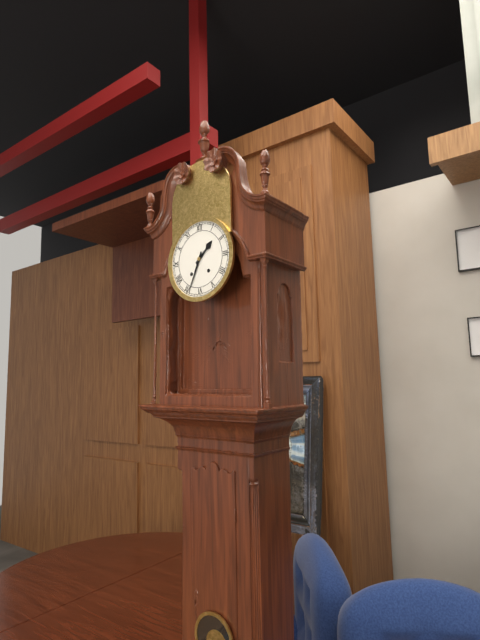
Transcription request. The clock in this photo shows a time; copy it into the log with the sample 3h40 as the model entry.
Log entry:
1h34
